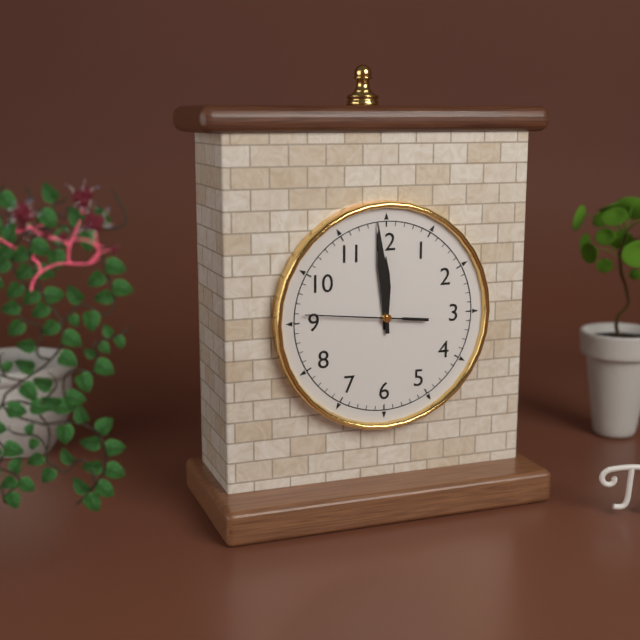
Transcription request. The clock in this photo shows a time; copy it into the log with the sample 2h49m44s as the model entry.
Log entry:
11h59m46s
